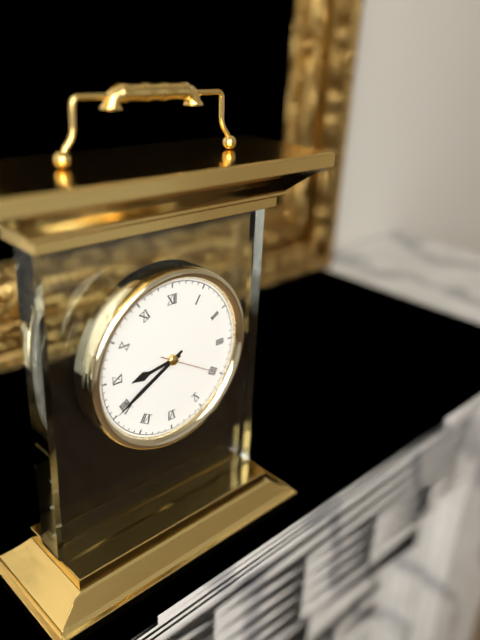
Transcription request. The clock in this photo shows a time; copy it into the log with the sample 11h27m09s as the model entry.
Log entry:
8h40m20s
